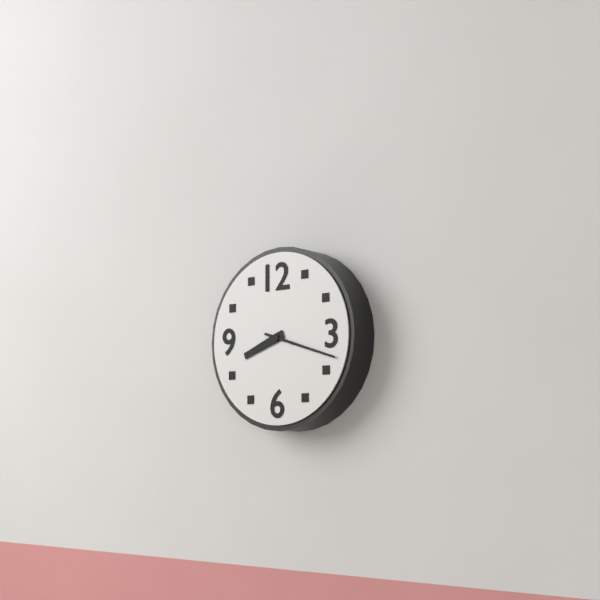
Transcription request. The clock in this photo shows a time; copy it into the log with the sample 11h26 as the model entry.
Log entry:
8h18
